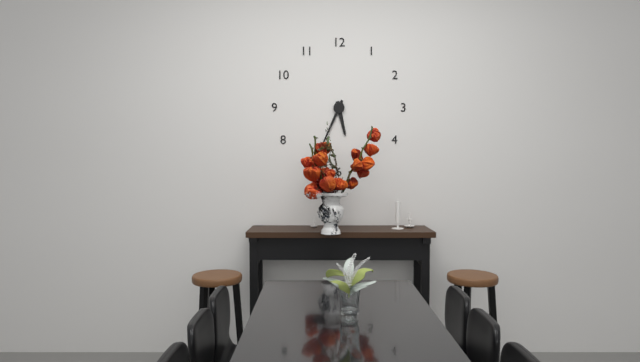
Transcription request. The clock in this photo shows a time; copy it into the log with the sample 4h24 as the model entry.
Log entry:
5h34
